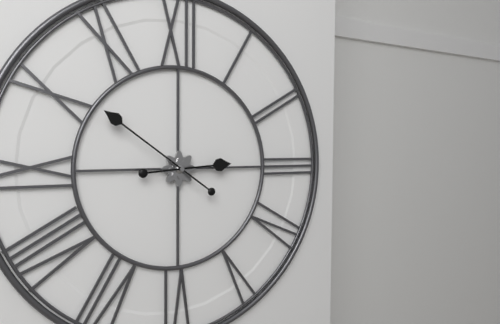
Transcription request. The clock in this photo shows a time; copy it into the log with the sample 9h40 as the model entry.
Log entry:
2h51
